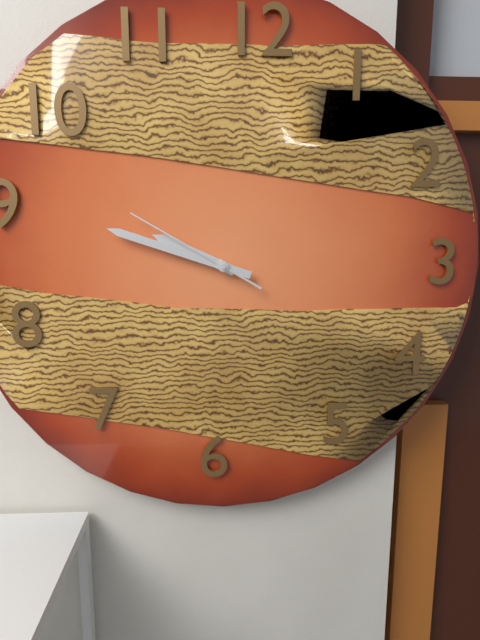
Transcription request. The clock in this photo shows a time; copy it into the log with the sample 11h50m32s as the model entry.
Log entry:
9h48m50s
